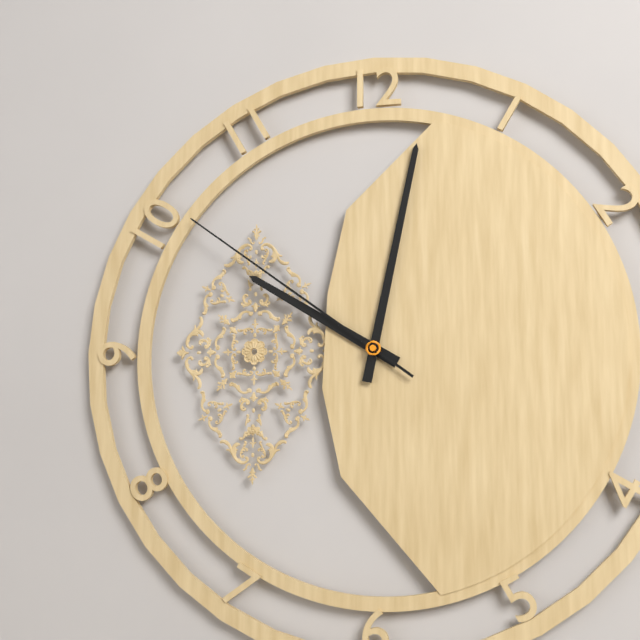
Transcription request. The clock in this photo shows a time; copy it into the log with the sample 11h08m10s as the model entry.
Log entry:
10h02m51s
